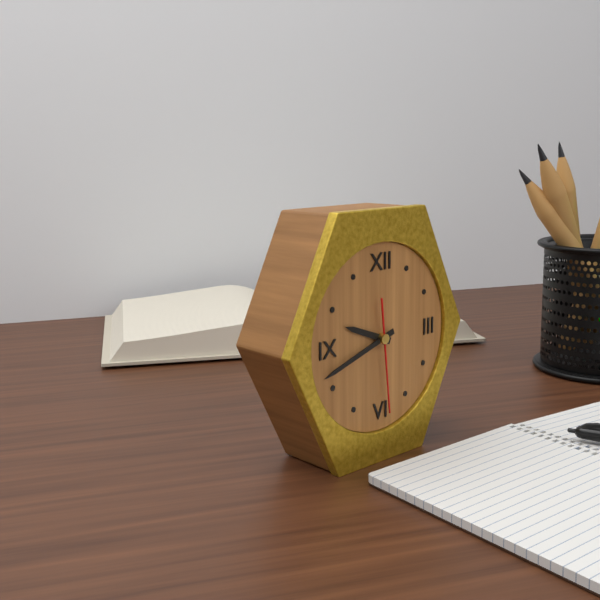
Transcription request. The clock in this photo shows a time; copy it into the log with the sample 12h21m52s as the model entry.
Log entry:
9h42m29s
